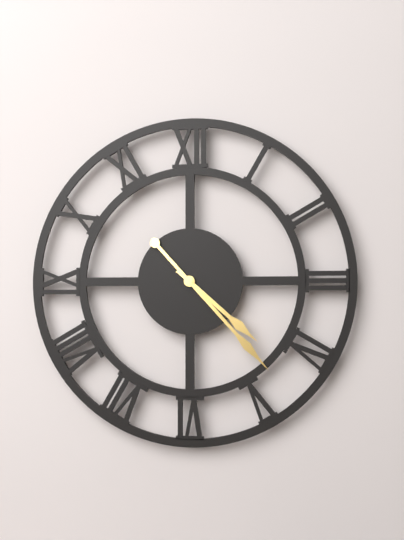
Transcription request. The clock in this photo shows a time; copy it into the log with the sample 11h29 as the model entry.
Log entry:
4h23
